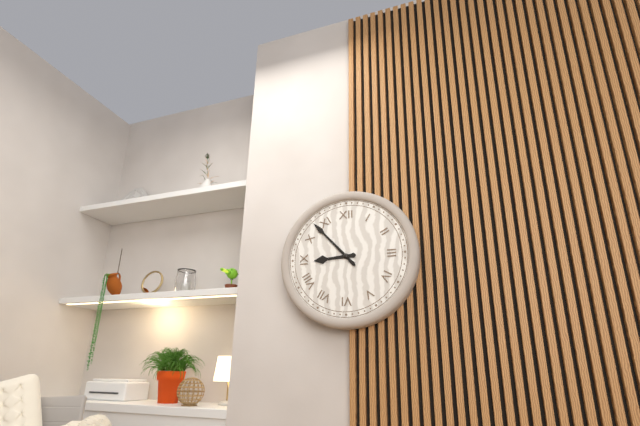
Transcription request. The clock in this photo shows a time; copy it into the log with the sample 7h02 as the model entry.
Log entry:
8h53
